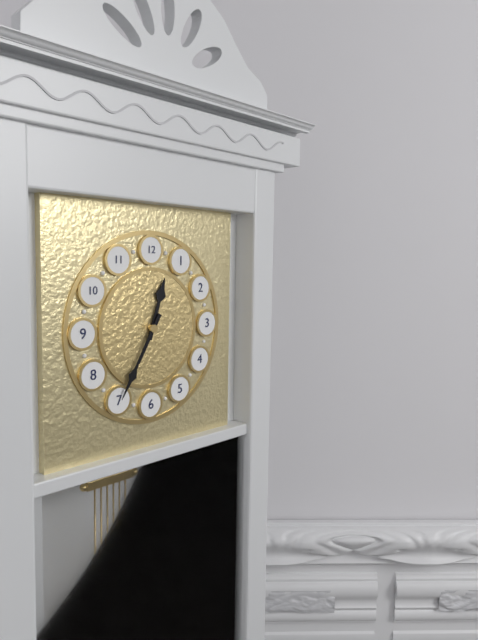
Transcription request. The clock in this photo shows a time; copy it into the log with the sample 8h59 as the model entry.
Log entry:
12h35
